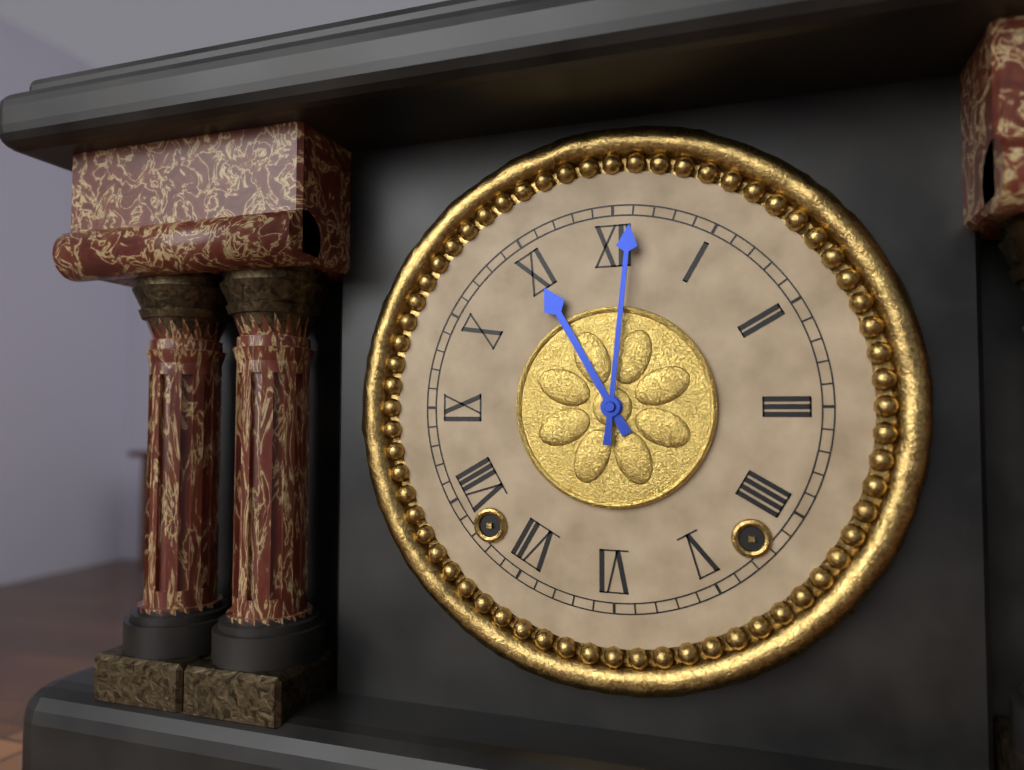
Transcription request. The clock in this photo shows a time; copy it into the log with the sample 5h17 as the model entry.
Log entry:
11h01
